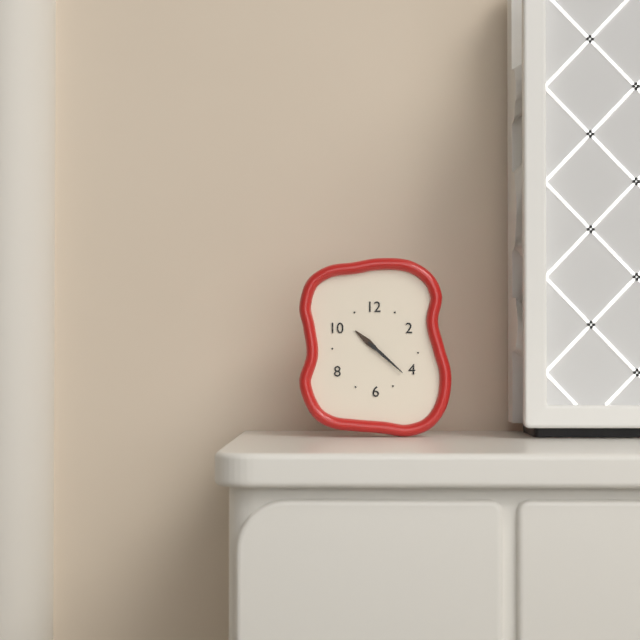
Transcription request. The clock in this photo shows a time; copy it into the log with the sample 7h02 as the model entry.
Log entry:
10h22
